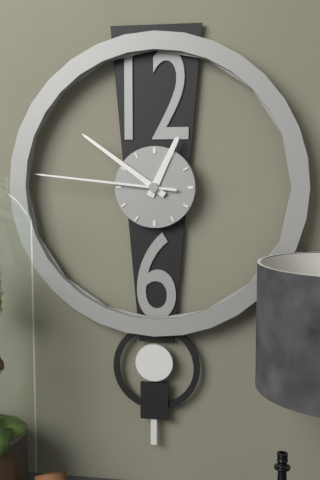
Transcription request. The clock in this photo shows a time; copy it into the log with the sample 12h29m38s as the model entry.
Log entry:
12h51m46s
